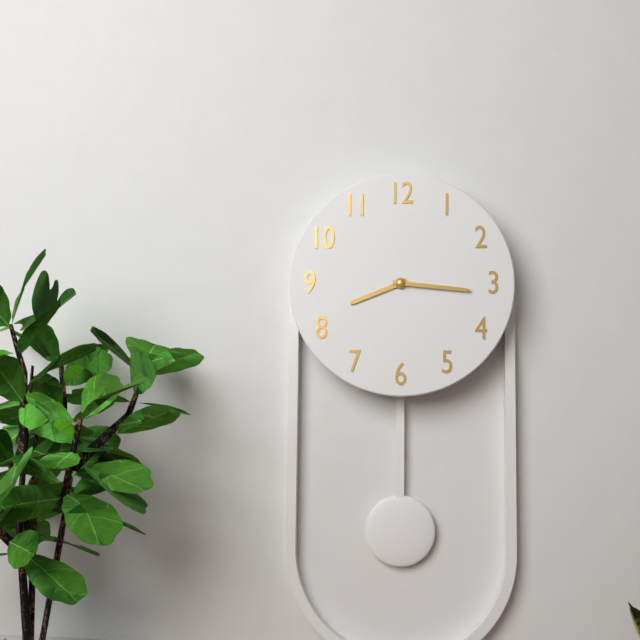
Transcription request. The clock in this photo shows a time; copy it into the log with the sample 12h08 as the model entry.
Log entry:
8h16
